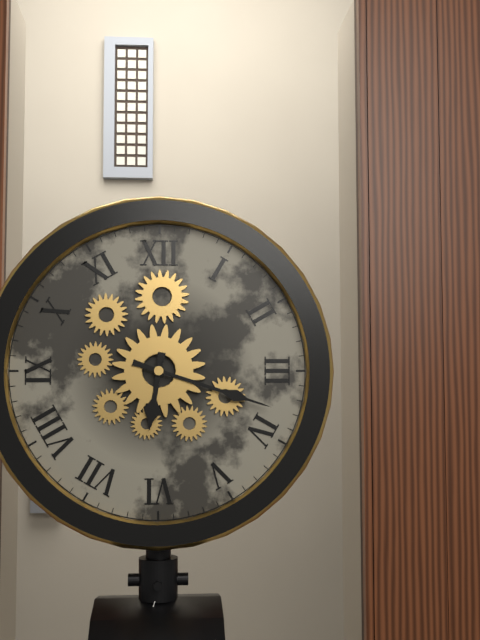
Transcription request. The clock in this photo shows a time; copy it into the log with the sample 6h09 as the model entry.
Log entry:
6h18
